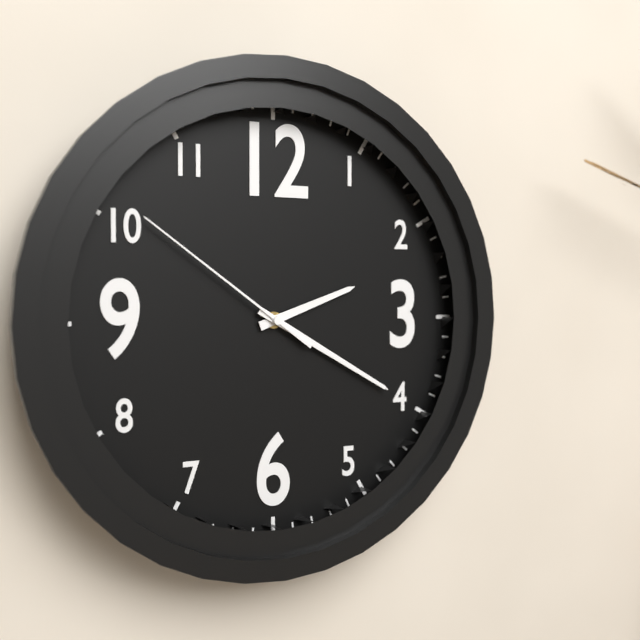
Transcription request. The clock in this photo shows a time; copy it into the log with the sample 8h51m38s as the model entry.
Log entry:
2h20m51s
